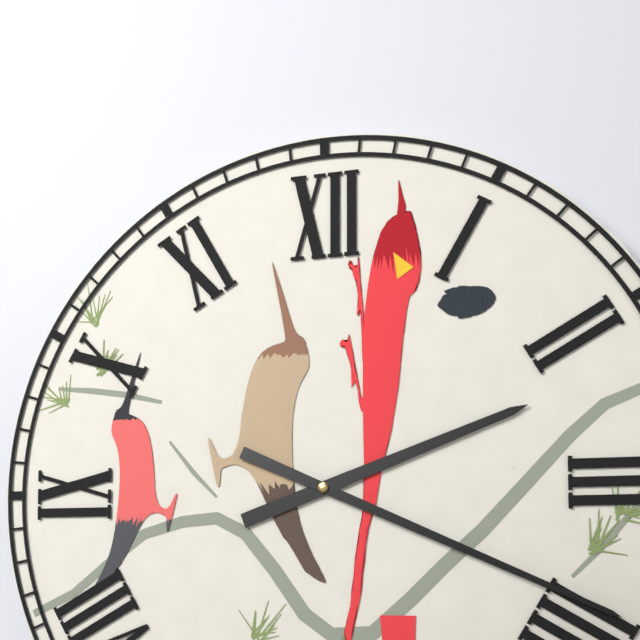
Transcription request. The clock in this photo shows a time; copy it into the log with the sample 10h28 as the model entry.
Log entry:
2h19
